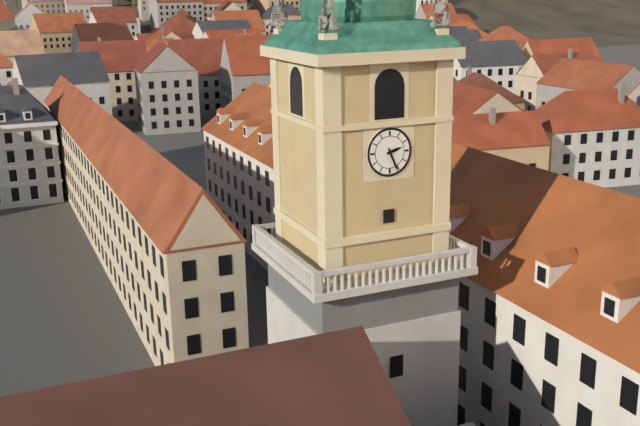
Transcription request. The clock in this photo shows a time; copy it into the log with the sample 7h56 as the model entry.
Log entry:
2h26
